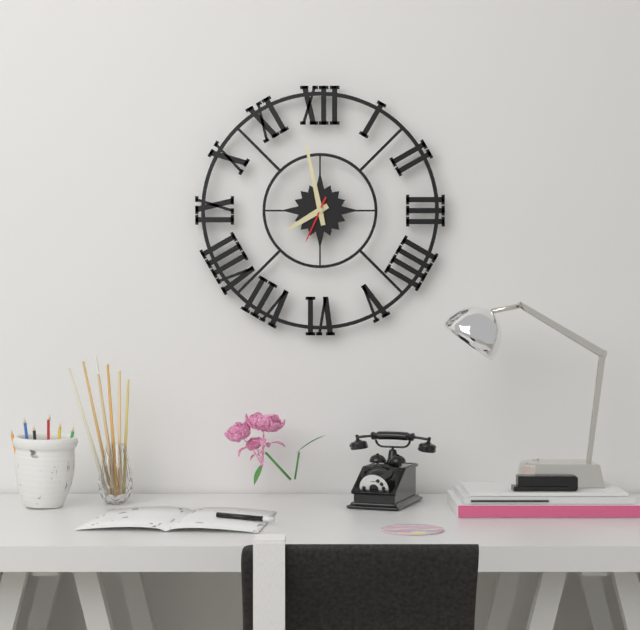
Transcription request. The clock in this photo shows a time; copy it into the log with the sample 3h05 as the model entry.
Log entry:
7h58
